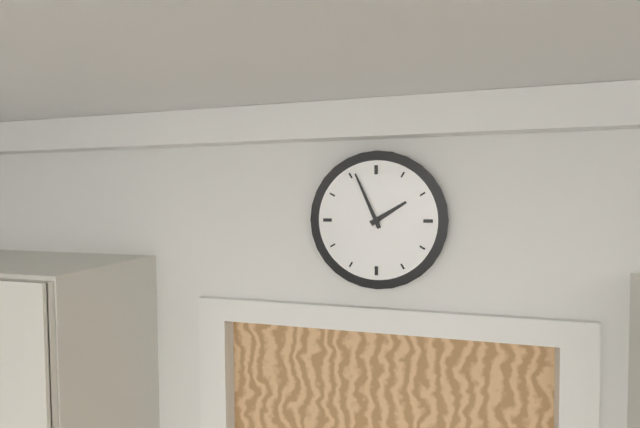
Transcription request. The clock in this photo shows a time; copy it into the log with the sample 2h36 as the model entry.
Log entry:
1h56
